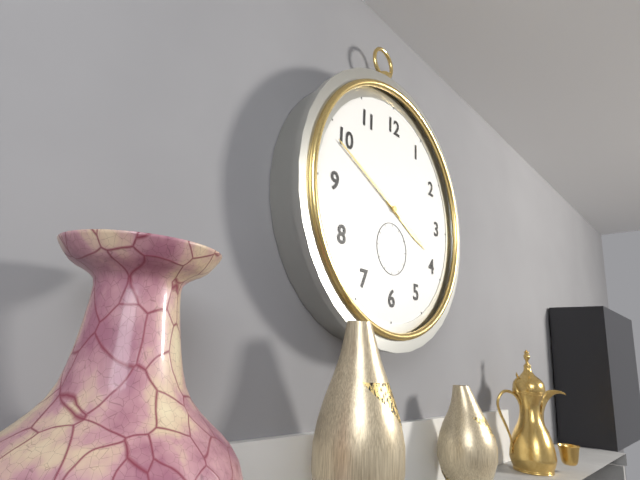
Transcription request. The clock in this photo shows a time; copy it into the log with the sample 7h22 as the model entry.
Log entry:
3h49
